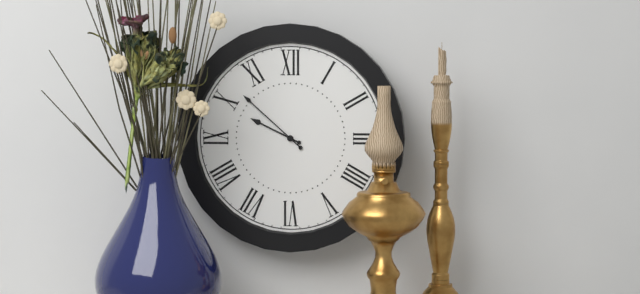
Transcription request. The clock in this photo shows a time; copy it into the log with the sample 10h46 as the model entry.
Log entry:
9h52
